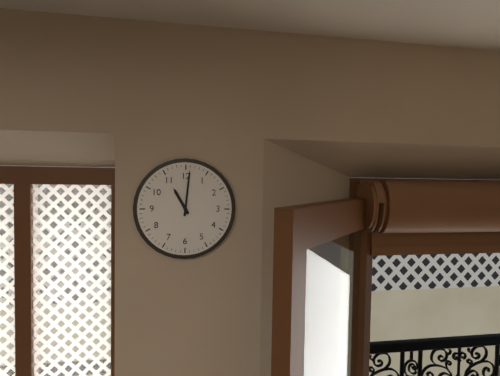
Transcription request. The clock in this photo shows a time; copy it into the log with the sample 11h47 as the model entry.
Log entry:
11h01
